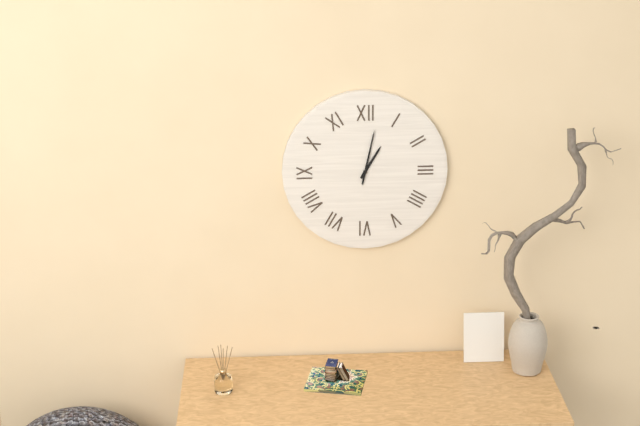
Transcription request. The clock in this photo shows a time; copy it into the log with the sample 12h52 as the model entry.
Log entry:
1h02
